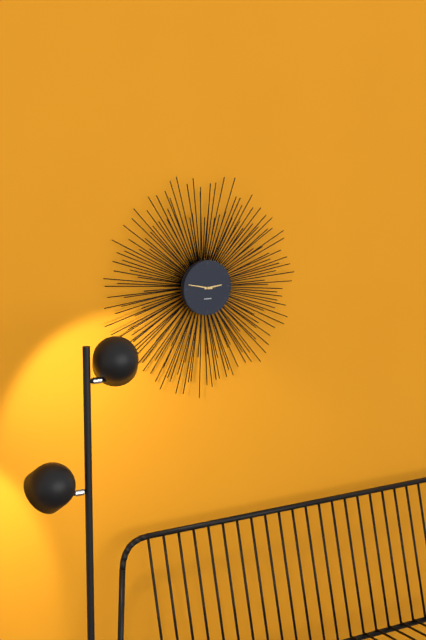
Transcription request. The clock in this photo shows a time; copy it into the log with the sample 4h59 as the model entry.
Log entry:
2h47
